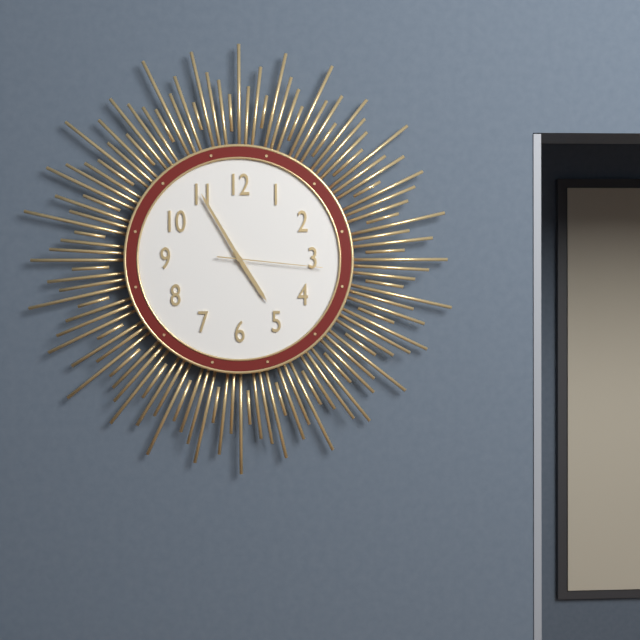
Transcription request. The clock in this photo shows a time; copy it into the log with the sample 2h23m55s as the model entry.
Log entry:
4h55m16s
